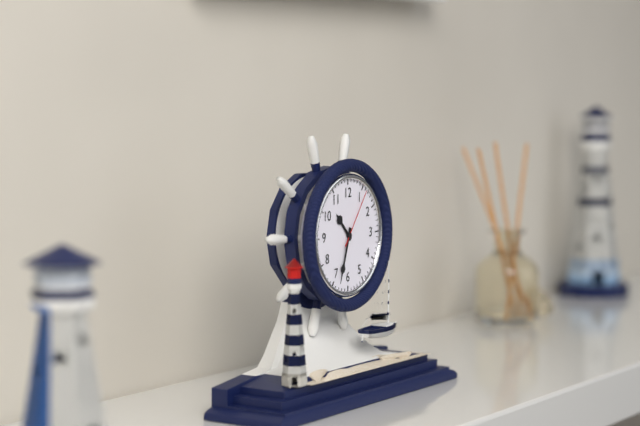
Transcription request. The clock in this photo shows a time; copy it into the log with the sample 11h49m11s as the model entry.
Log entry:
10h33m06s
